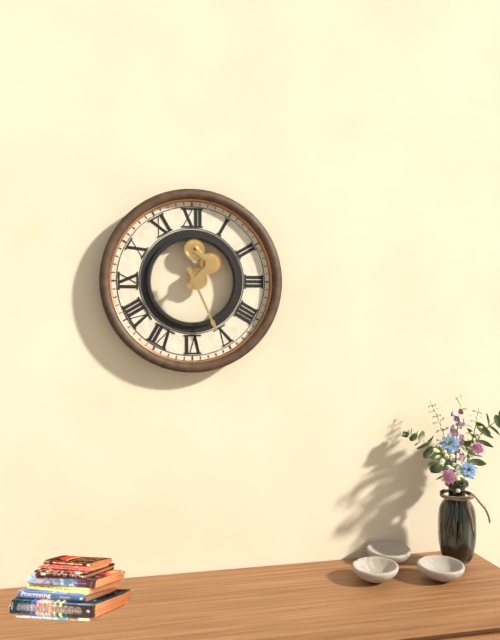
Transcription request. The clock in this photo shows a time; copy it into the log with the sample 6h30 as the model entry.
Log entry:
1h26
